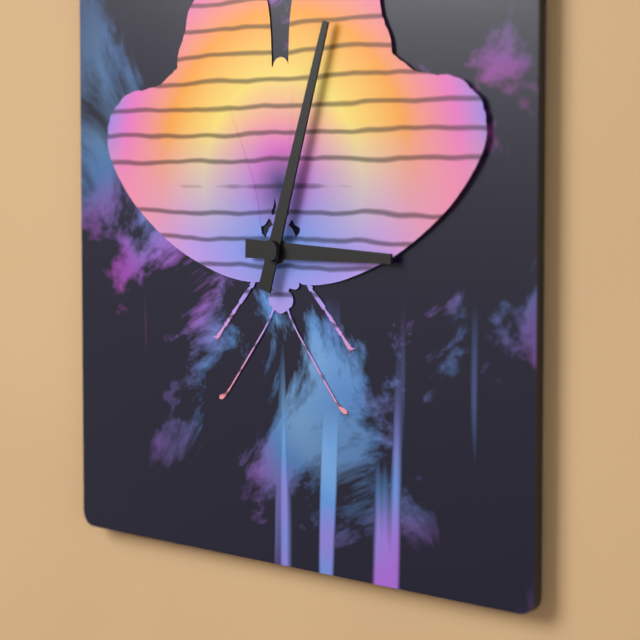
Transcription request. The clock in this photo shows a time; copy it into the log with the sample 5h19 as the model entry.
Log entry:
3h03
